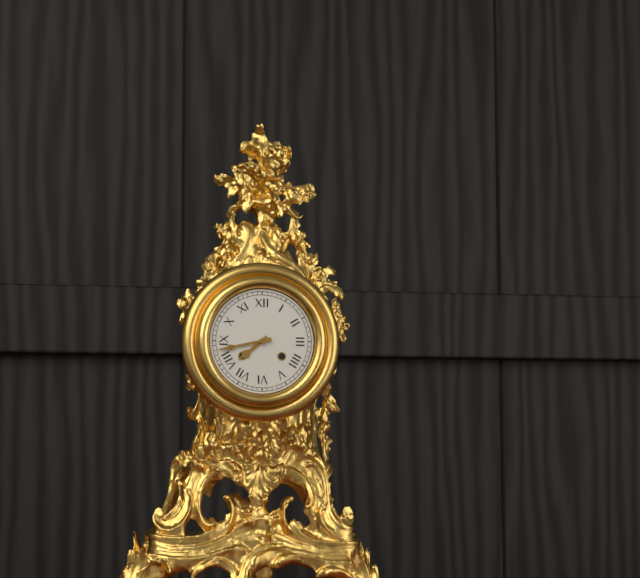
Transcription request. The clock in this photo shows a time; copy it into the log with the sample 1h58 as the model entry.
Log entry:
7h43
